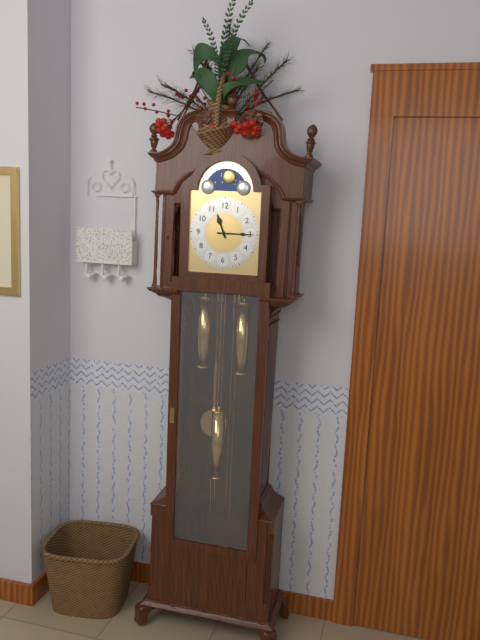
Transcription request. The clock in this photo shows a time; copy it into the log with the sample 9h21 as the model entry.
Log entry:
11h15
